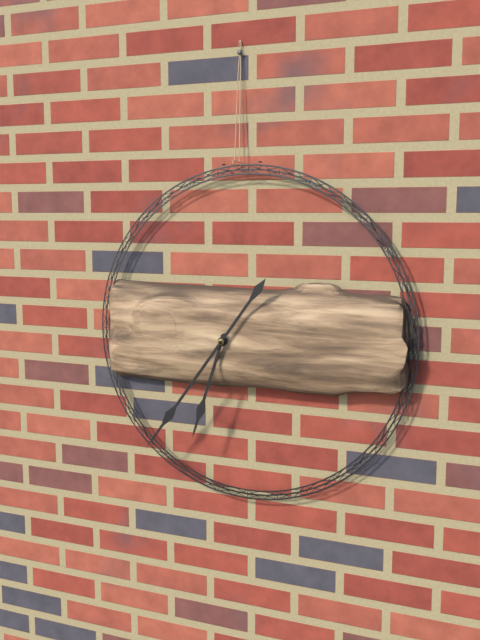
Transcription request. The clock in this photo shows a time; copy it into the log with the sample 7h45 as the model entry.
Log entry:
6h36
